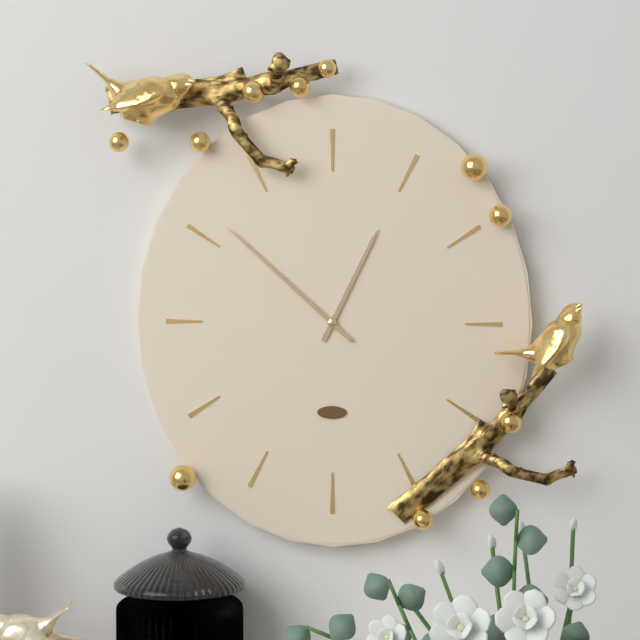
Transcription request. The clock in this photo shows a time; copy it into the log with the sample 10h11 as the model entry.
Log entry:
12h52
